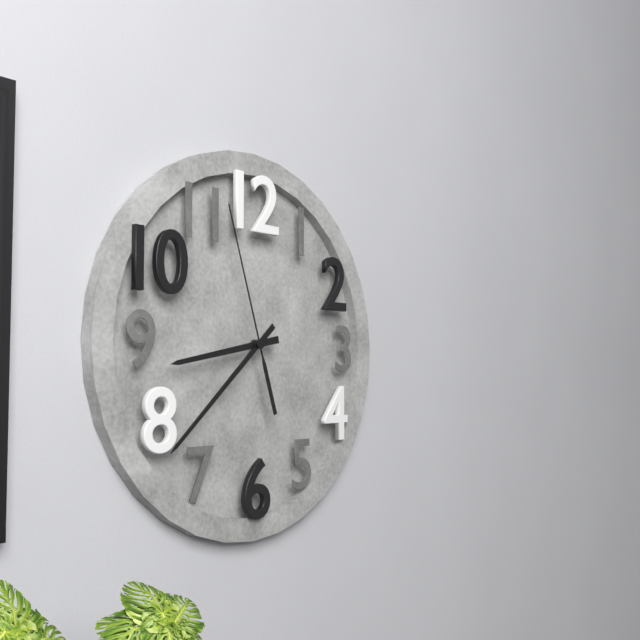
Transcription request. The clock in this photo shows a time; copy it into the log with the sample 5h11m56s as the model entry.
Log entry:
8h38m57s
